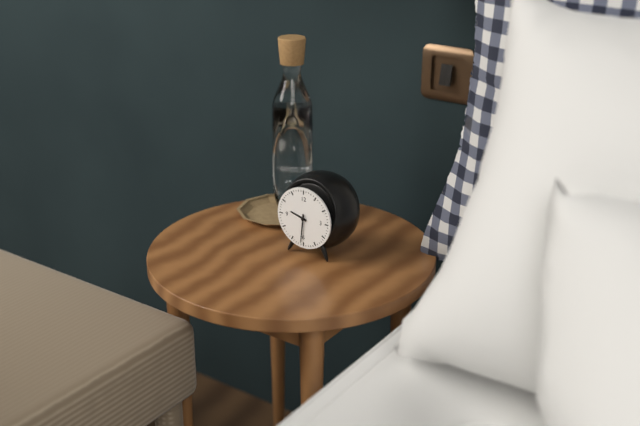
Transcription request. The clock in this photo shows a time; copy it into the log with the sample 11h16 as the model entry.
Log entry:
9h31
